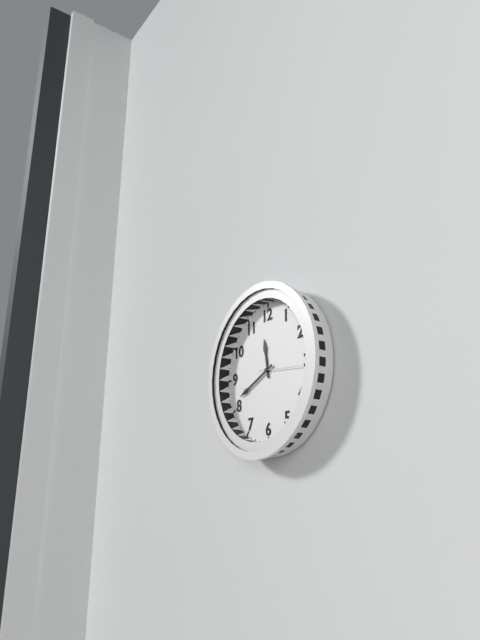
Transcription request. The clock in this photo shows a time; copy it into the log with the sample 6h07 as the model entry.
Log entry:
11h41
